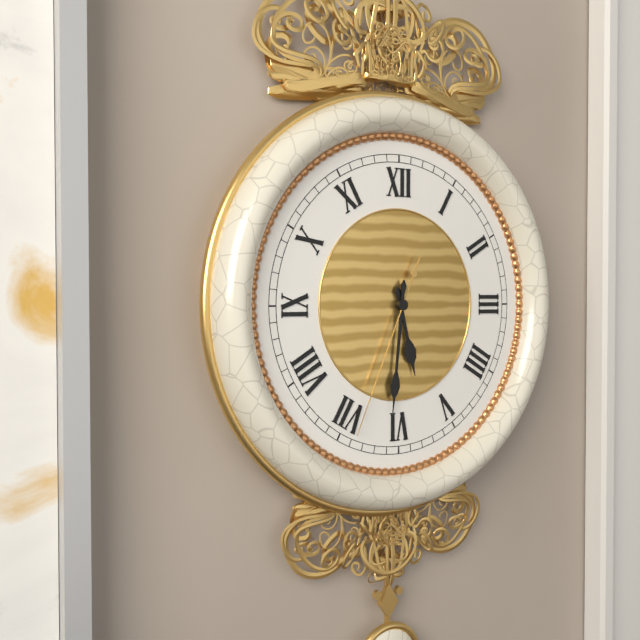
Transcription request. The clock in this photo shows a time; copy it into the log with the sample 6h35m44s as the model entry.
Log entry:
5h31m34s
